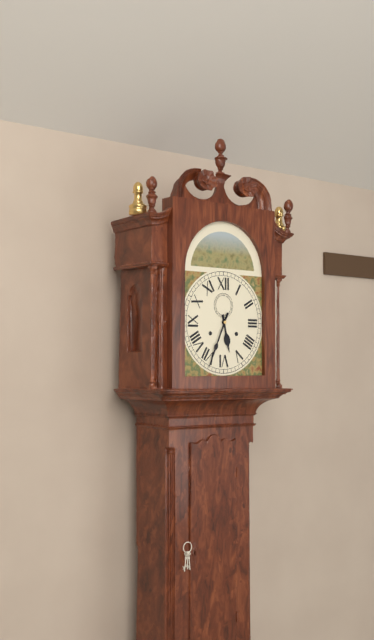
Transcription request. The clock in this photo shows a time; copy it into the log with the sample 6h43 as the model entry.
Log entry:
5h34
